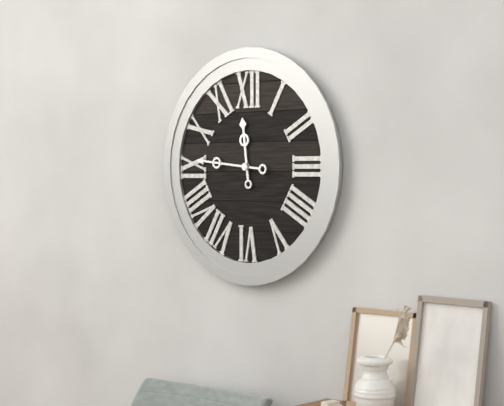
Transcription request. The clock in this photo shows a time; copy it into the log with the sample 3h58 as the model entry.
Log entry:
11h46
